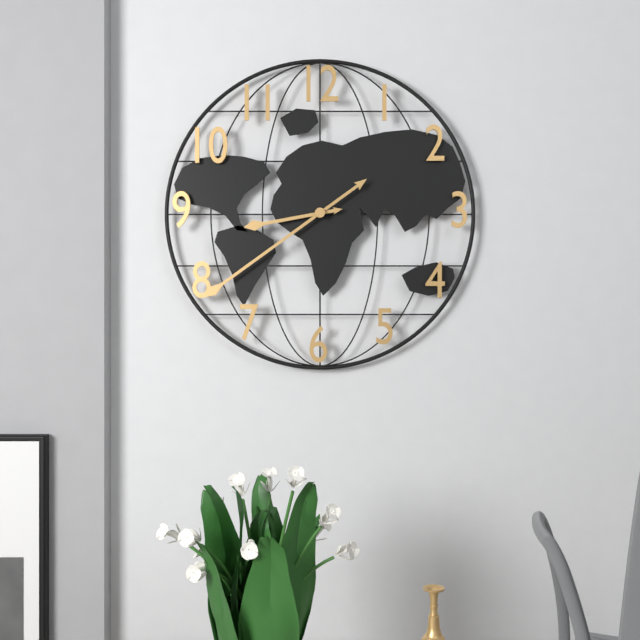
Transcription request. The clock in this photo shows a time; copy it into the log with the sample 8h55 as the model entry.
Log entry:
8h39
